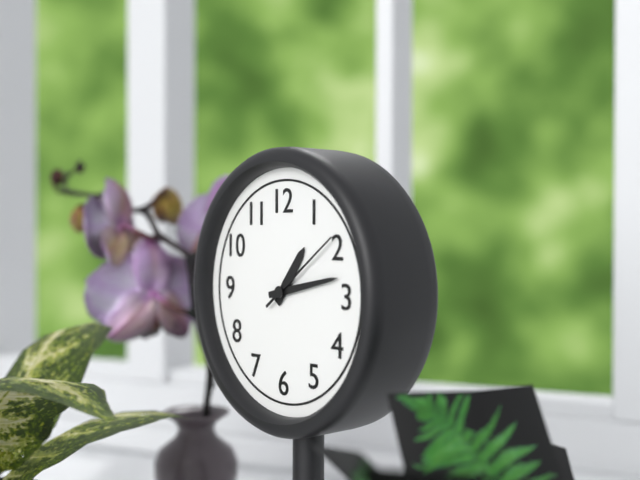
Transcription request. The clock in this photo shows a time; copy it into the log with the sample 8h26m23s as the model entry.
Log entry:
1h13m09s
